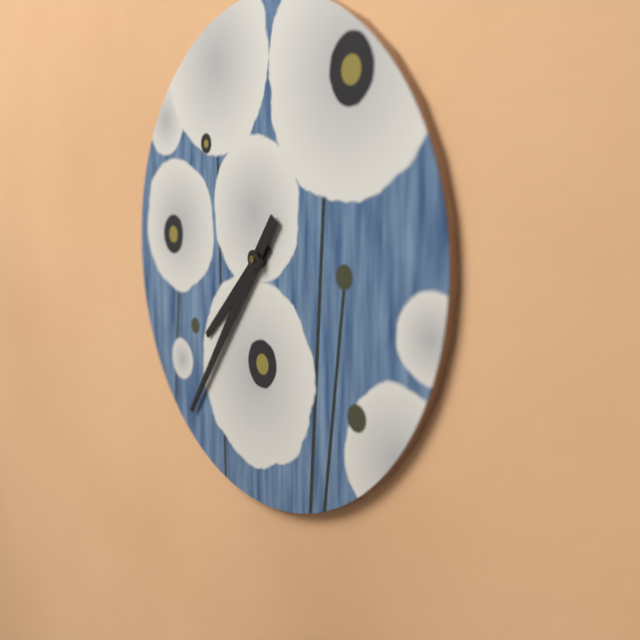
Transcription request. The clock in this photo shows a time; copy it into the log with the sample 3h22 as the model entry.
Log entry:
7h36
